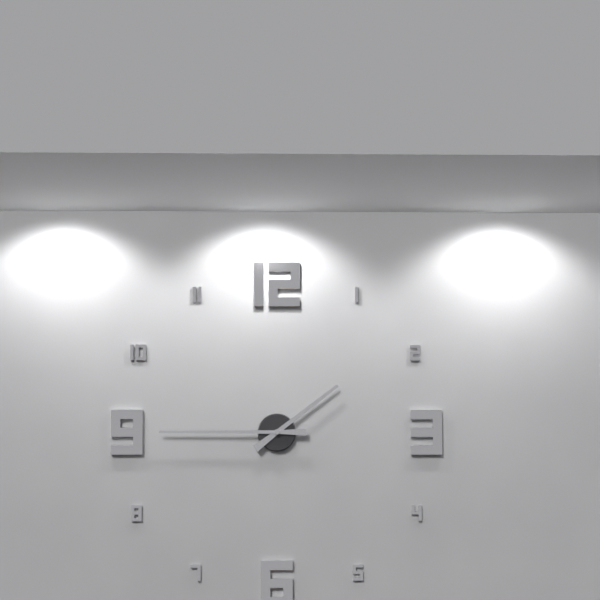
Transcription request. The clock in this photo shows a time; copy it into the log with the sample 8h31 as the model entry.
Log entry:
1h45
